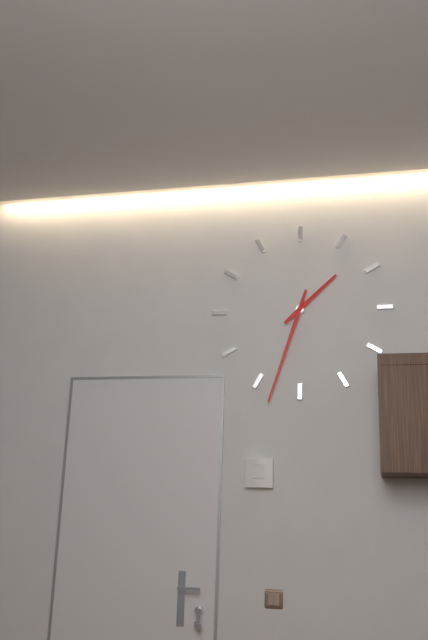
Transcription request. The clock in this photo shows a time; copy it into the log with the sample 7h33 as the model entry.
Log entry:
1h33
